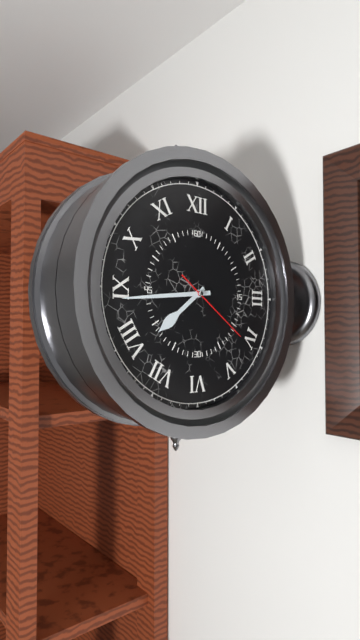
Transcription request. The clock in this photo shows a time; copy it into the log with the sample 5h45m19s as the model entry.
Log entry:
7h44m21s
